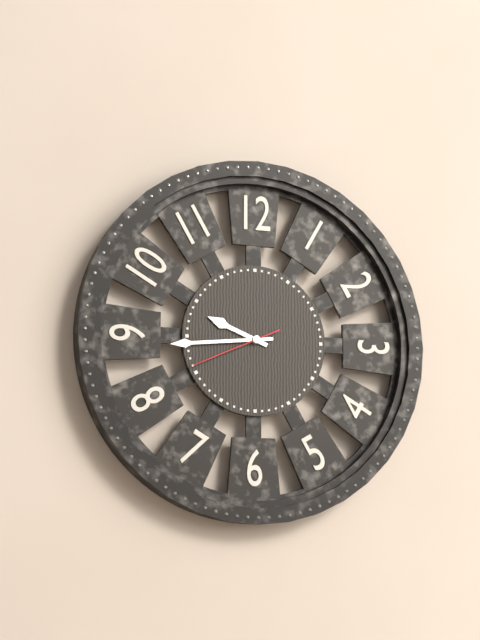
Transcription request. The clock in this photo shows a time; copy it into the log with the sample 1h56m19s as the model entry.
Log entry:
9h44m41s
